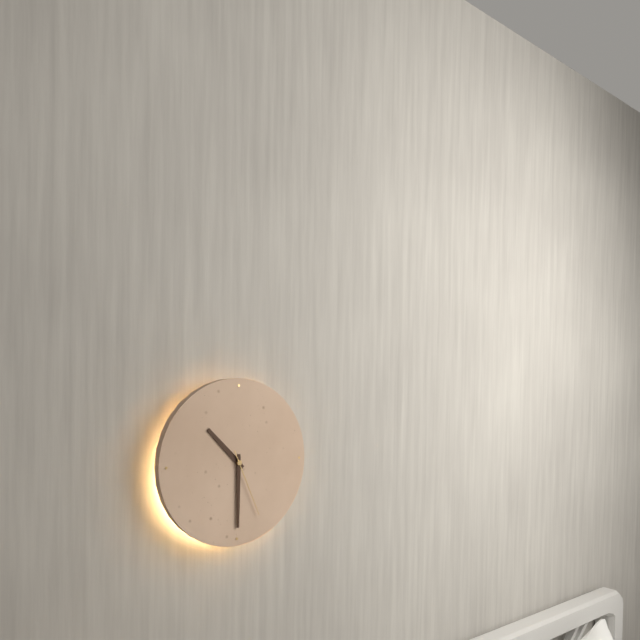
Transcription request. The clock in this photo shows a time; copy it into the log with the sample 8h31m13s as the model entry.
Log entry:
10h30m26s
